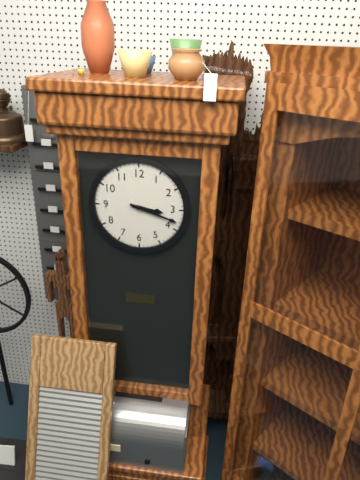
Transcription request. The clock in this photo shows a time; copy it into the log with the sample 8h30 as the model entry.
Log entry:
3h18
